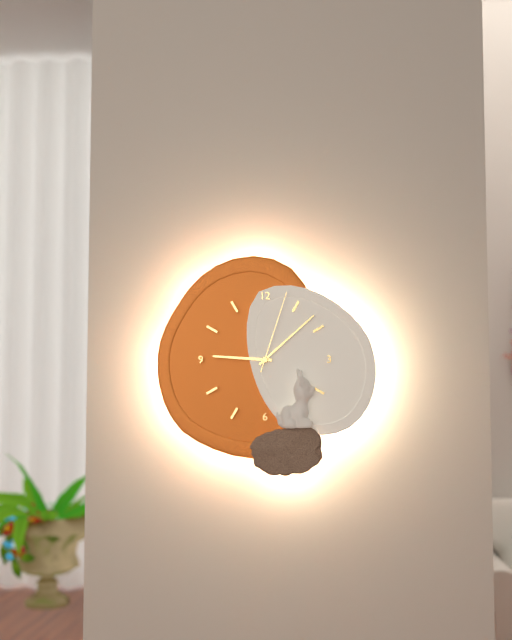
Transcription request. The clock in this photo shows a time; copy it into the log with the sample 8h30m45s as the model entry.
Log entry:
9h08m03s
